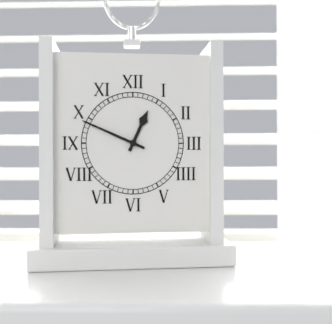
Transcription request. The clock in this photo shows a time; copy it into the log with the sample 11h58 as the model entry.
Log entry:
12h49
